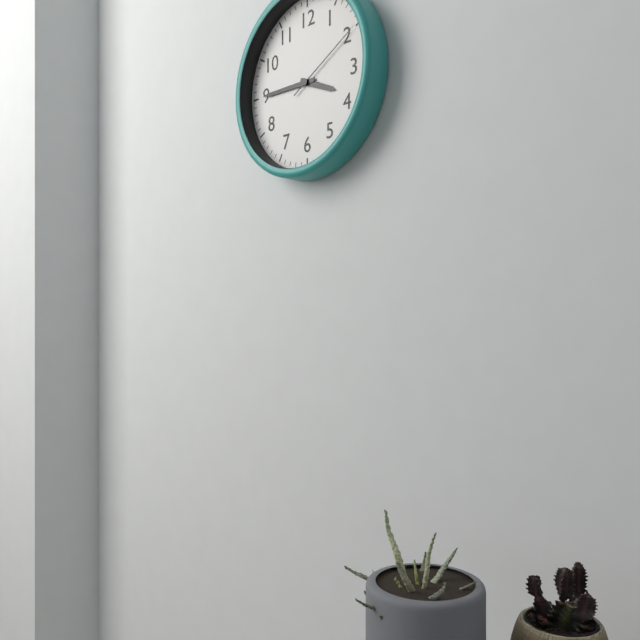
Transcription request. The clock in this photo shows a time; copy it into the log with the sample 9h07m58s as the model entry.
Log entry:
3h45m10s
